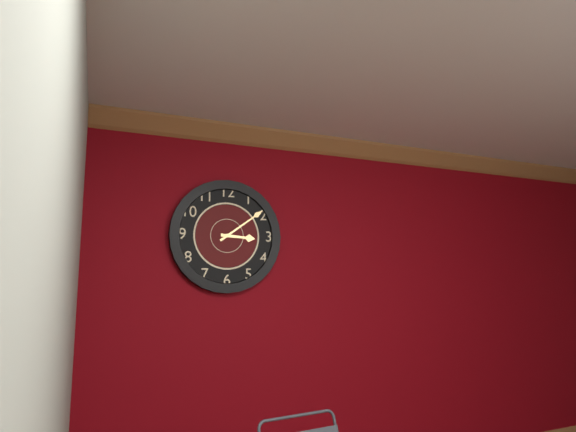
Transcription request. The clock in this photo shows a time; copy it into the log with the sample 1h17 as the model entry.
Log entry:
3h09
